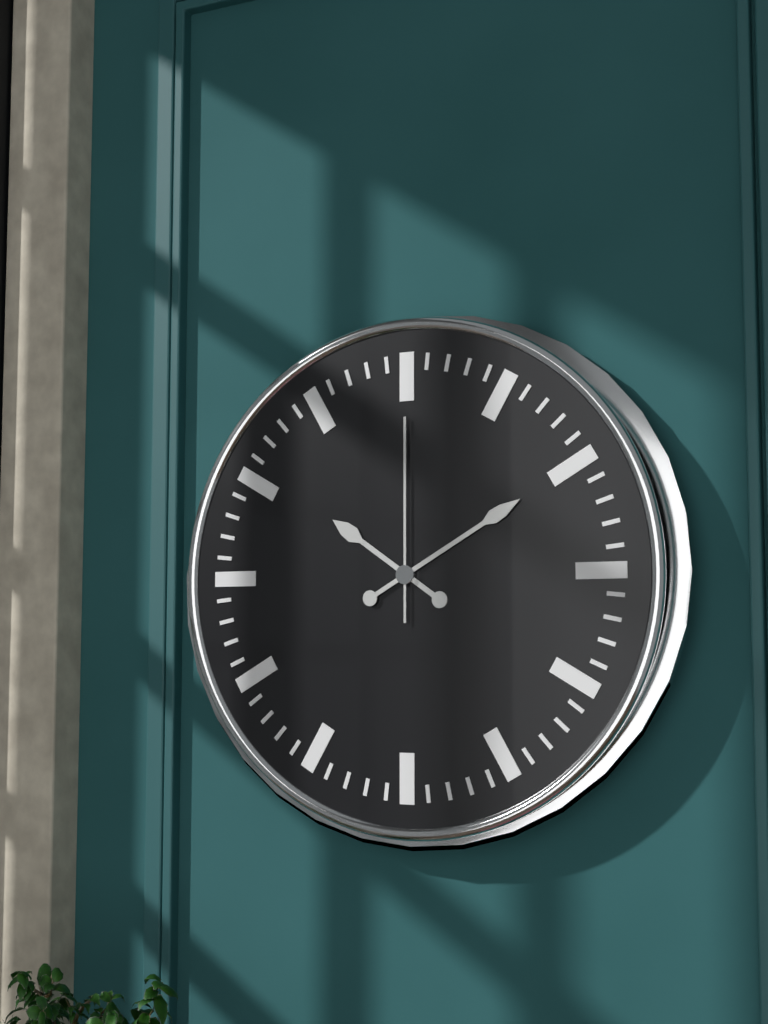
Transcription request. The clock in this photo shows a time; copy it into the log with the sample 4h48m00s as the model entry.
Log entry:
10h10m00s
